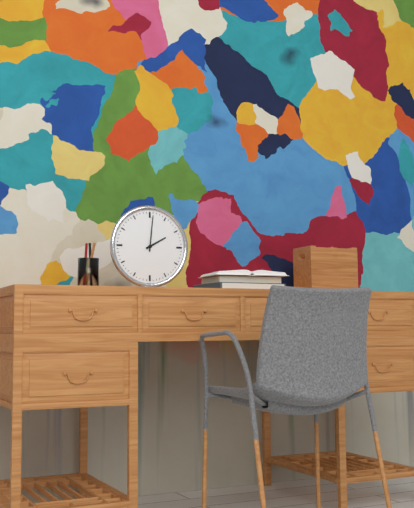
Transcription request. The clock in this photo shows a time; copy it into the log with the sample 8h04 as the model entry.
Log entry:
2h01
